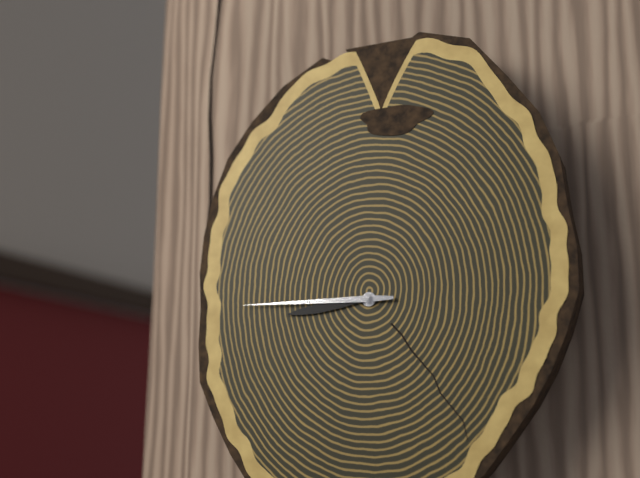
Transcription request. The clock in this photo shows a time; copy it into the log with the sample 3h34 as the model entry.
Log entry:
8h45
